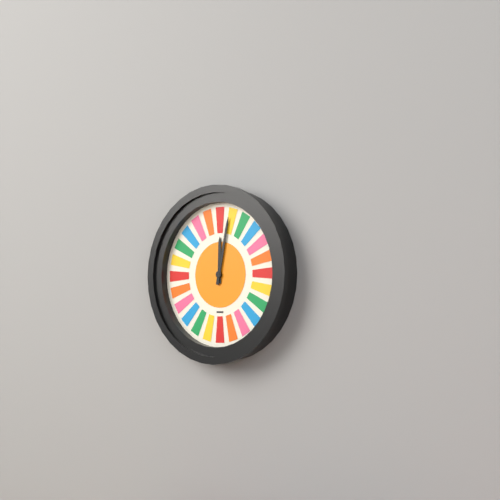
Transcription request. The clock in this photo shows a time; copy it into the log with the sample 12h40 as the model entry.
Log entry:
12h02
